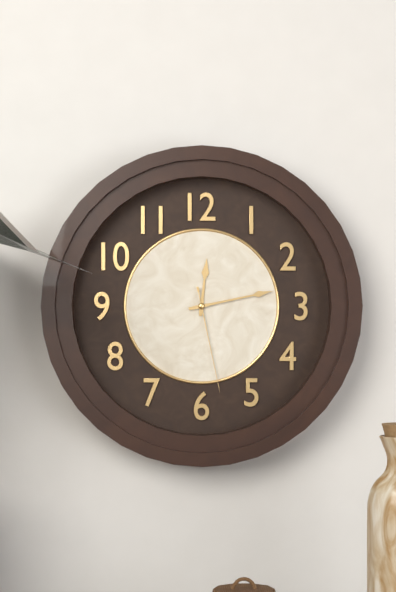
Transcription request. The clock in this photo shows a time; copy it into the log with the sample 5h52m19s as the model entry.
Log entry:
12h13m28s
